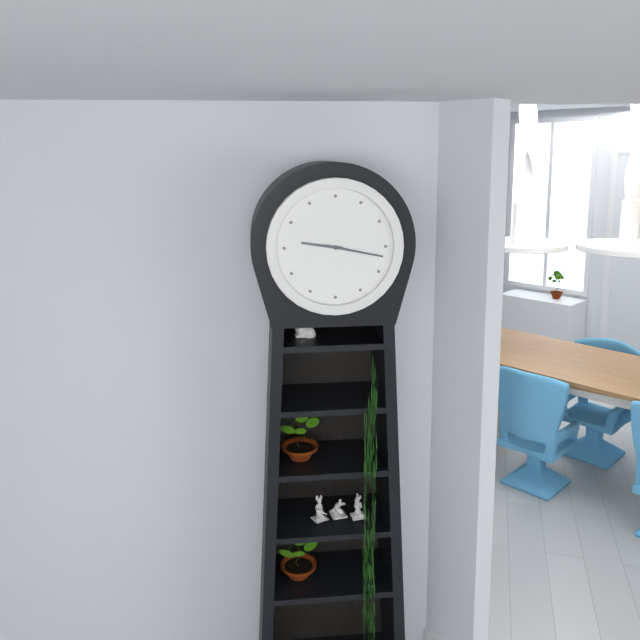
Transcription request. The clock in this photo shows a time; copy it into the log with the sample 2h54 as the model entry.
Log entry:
9h17
